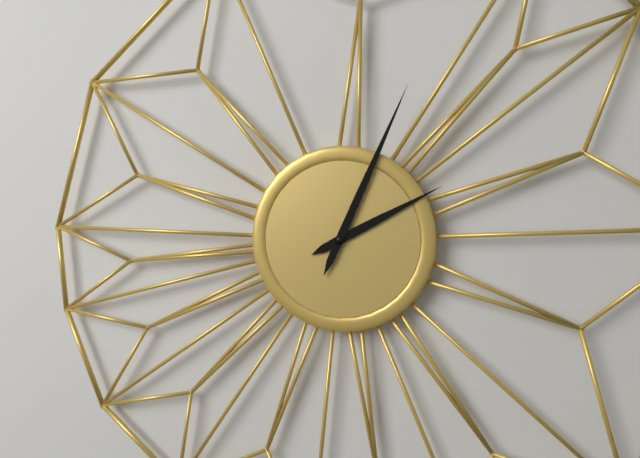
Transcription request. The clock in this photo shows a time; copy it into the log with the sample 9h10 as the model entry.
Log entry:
2h04
